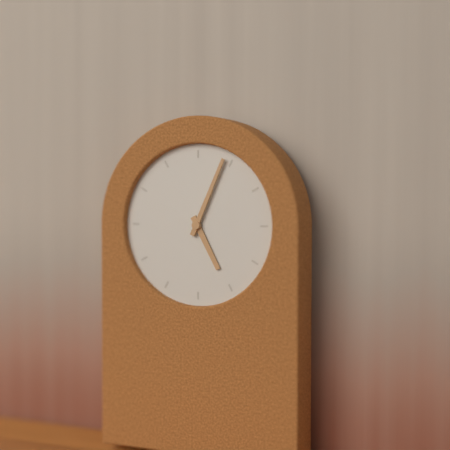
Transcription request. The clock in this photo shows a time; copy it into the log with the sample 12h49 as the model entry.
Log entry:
5h04
